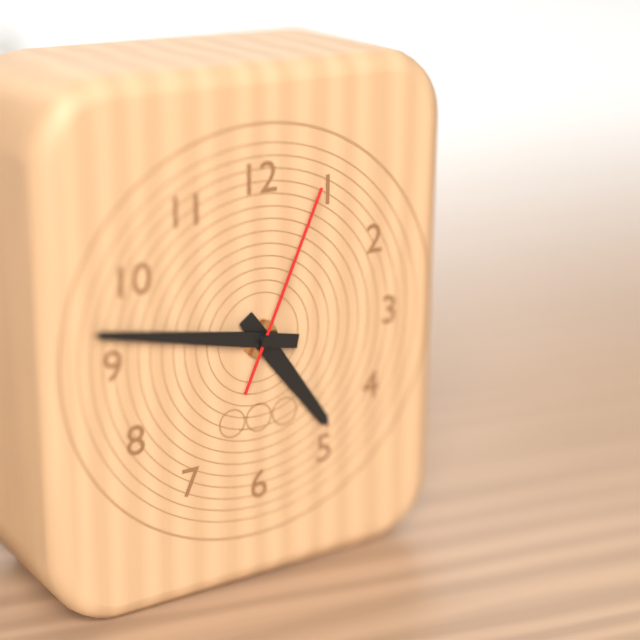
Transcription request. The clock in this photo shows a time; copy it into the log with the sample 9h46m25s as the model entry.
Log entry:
4h47m04s
